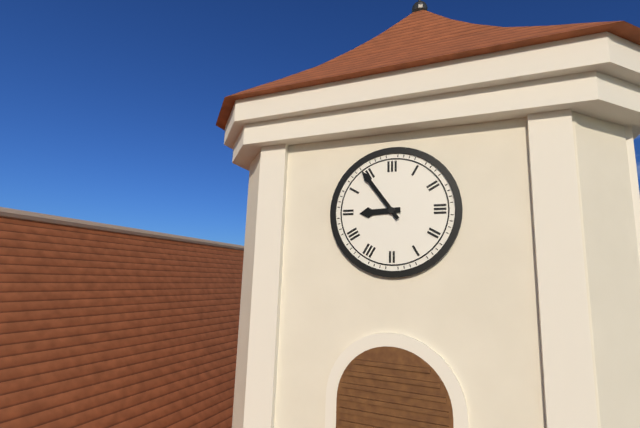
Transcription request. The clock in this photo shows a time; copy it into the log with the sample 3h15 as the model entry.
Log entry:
8h54
